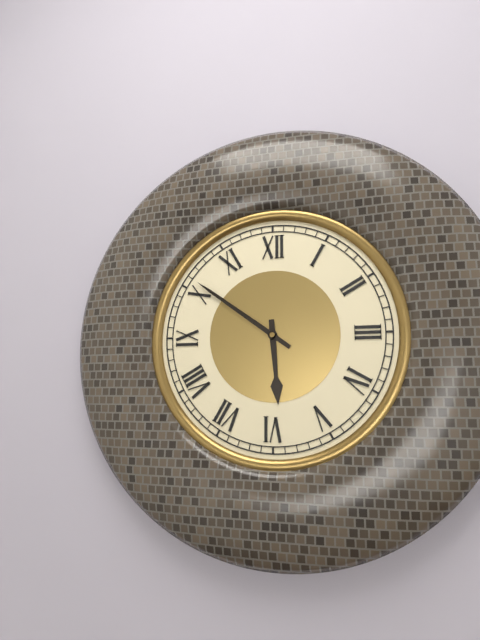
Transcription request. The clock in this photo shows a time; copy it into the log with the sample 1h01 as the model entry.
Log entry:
5h51
